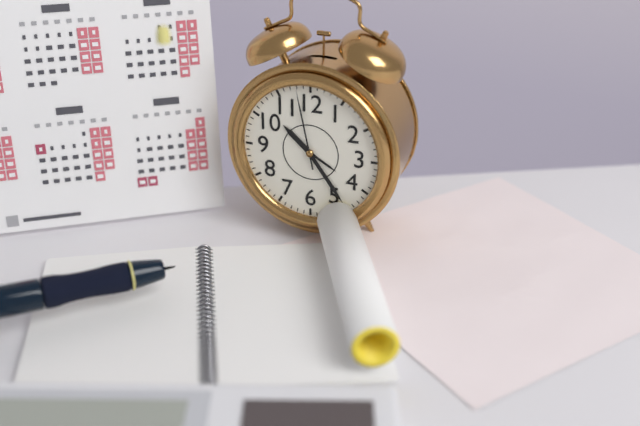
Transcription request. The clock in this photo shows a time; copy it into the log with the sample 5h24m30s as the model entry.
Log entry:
10h24m58s
